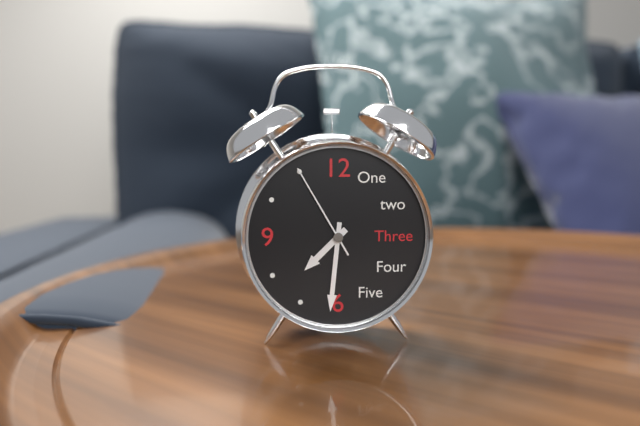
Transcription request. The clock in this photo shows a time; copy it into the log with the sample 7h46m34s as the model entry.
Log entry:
7h31m55s
